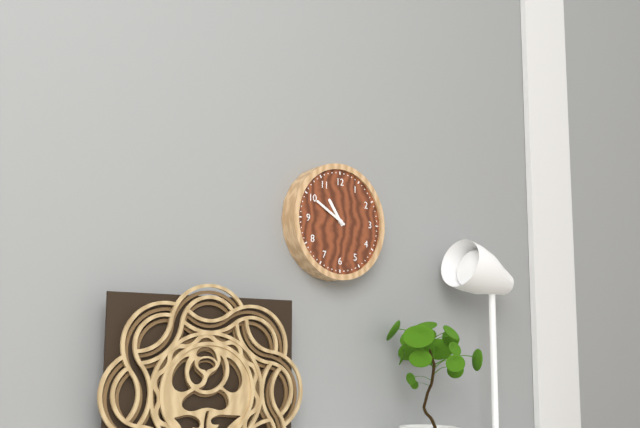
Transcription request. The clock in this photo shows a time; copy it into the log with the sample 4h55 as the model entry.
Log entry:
10h50
